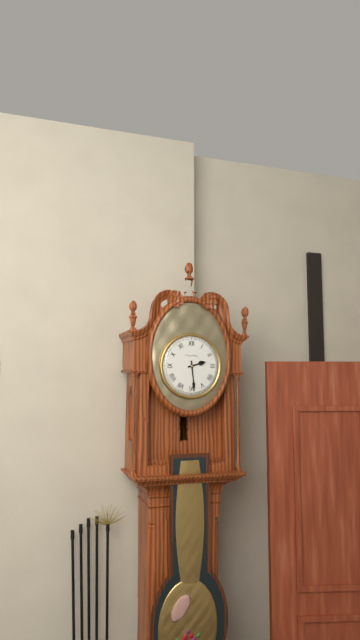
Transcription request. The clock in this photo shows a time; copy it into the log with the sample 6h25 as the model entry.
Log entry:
2h29
